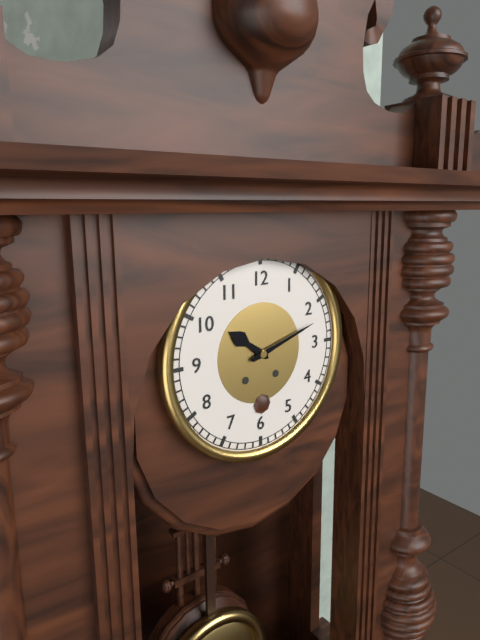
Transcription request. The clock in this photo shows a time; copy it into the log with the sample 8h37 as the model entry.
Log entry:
10h12
